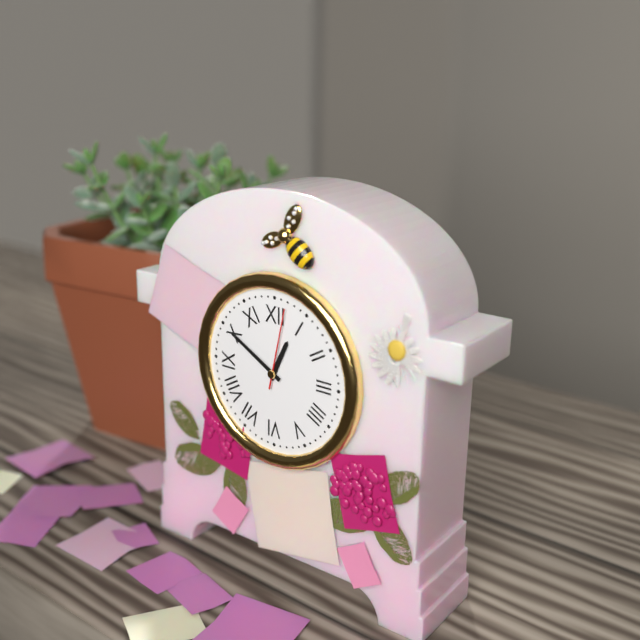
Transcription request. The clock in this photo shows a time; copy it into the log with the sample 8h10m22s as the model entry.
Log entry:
12h50m02s
